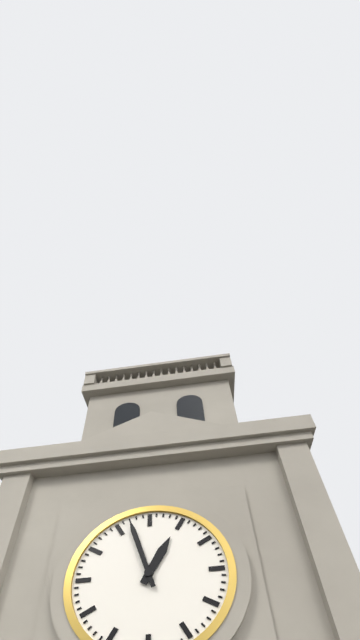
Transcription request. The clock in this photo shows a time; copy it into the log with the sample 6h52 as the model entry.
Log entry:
12h57
